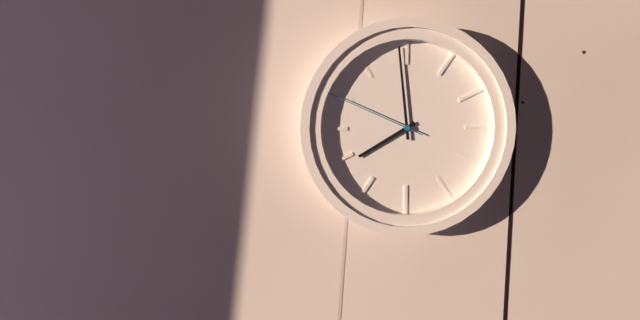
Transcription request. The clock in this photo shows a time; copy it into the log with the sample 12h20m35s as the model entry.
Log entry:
7h59m49s
